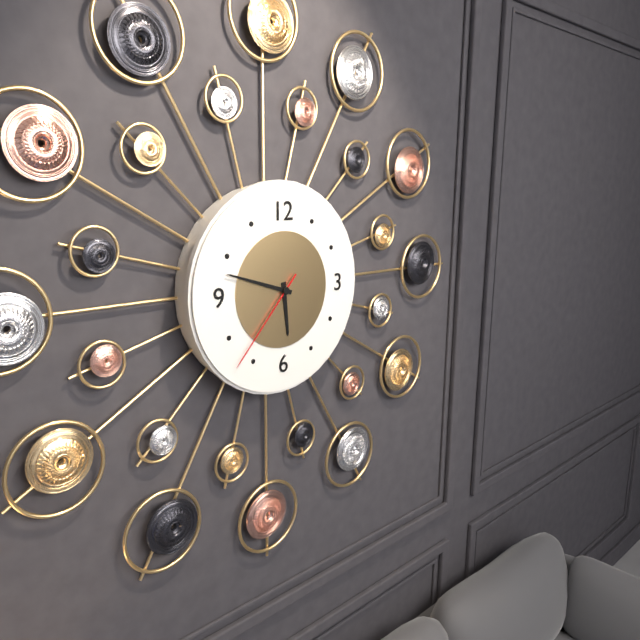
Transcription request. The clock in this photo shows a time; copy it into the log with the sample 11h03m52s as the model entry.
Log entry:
5h48m37s
